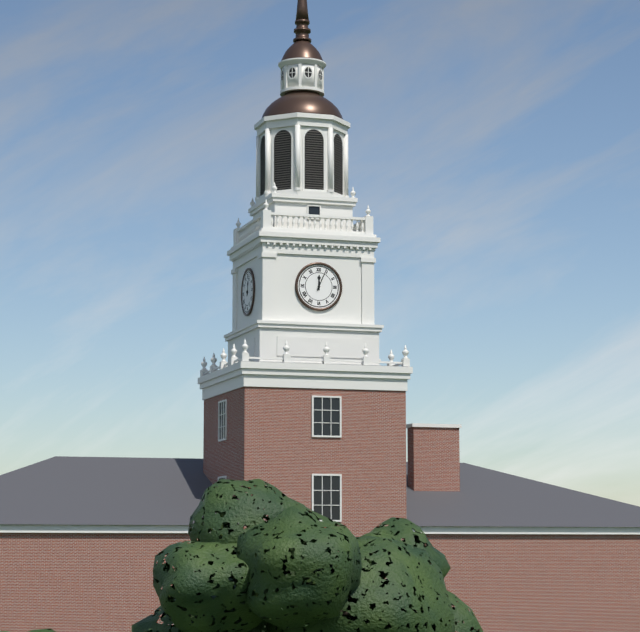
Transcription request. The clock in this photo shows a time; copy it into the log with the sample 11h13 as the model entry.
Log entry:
12h04
